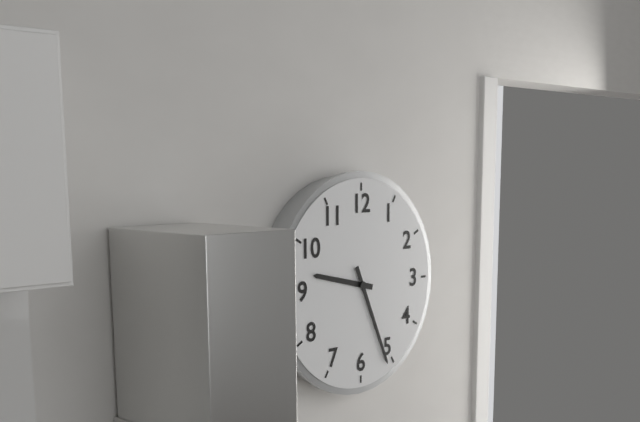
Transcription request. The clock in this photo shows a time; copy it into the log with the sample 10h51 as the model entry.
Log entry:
9h26
